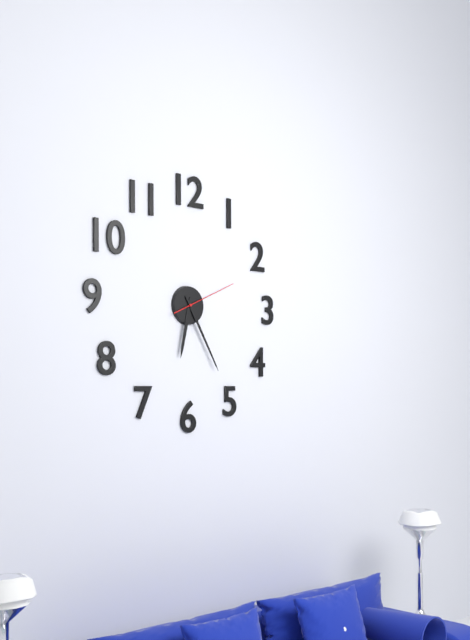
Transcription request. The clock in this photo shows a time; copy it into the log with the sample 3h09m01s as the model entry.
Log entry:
6h25m11s
